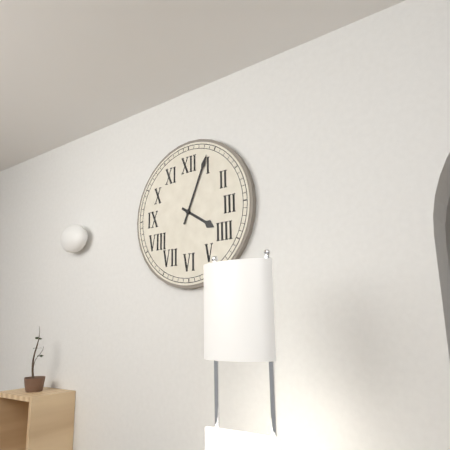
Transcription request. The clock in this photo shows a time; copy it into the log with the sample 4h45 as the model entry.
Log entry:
4h04
